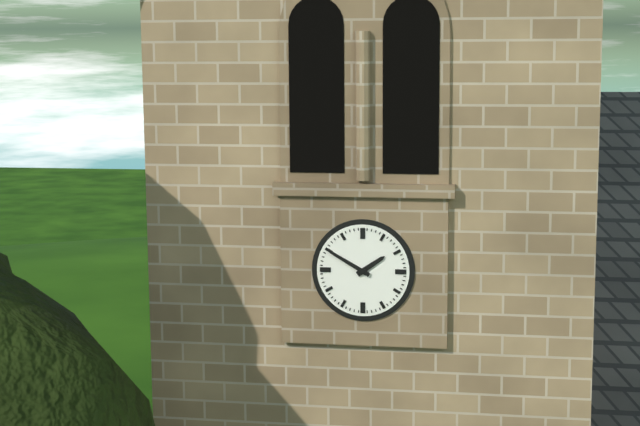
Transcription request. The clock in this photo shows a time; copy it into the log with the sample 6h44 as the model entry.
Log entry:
1h50
